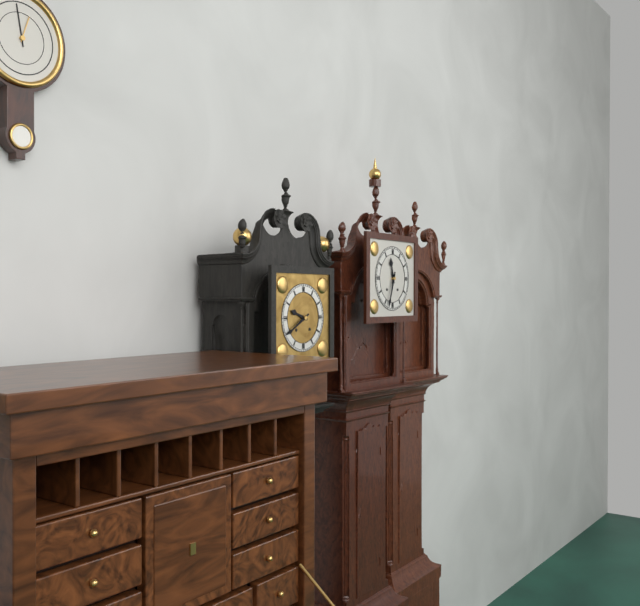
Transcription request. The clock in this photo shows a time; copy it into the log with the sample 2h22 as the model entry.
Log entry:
11h33
